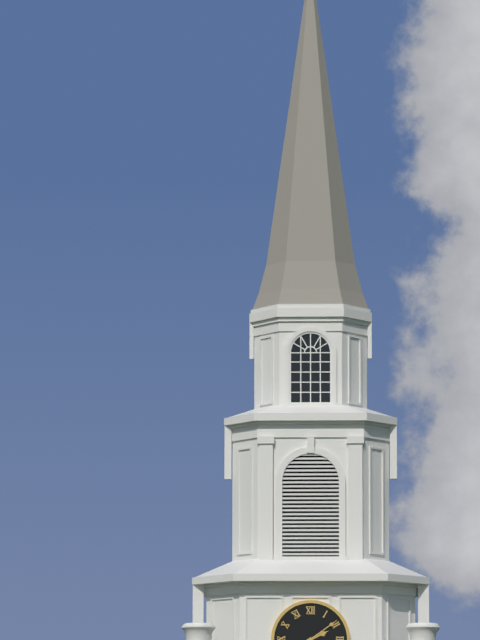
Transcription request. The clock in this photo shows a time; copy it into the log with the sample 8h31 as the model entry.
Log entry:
2h09
